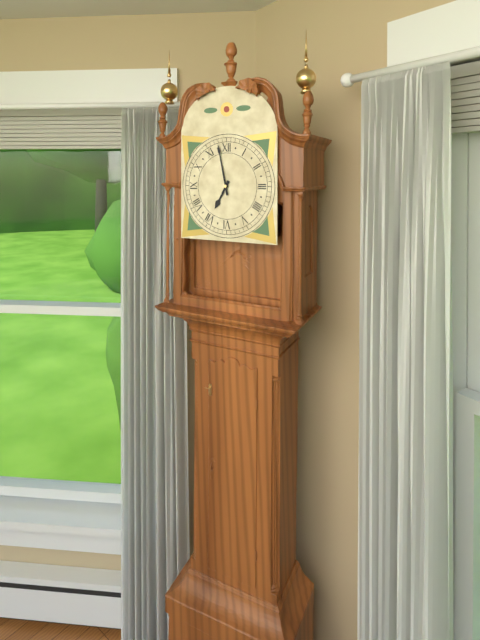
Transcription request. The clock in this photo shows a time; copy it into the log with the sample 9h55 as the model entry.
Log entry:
6h58
